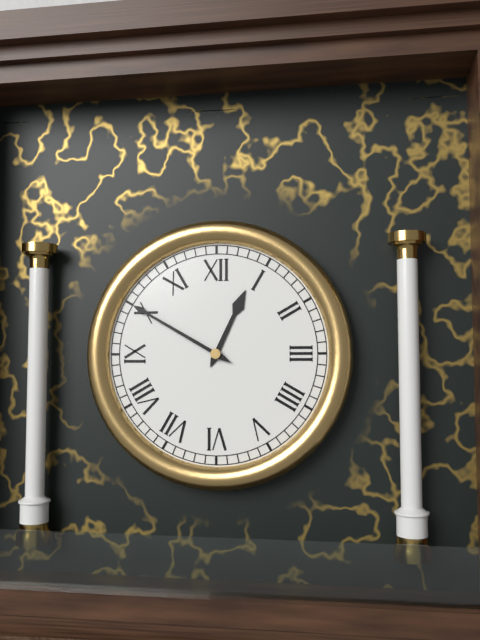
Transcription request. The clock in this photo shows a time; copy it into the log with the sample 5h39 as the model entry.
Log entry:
12h50
